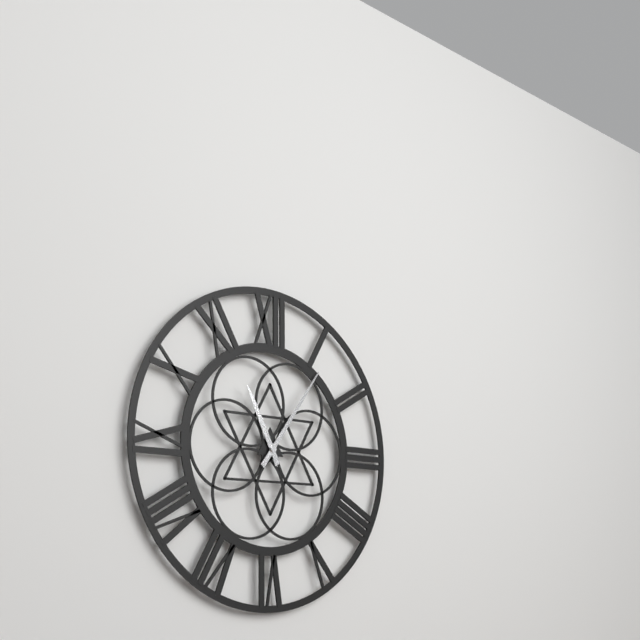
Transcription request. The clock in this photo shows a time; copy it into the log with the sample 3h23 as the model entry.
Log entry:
11h06
